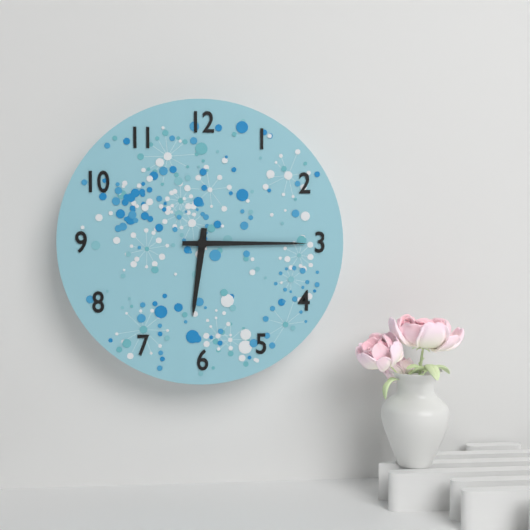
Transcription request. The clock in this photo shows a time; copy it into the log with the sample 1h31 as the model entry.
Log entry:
6h15
